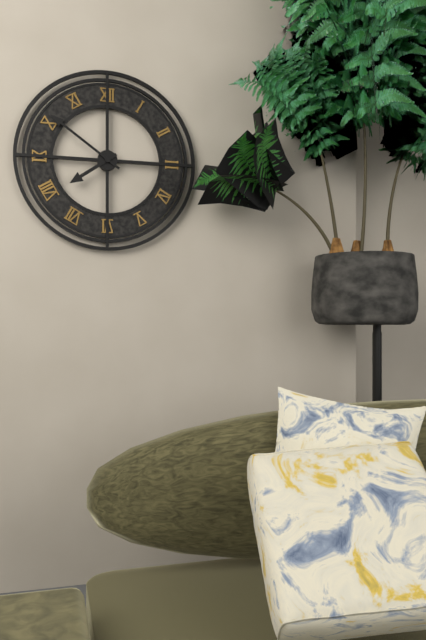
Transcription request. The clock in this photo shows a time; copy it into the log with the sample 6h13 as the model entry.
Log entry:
7h51
